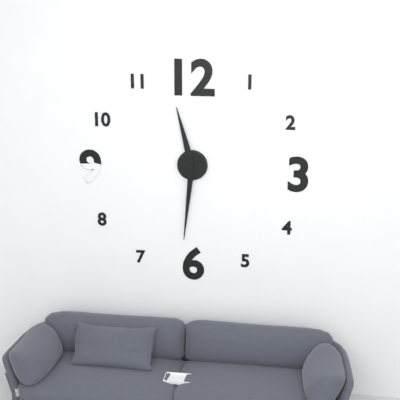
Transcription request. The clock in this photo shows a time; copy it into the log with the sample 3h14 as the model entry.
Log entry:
11h31
